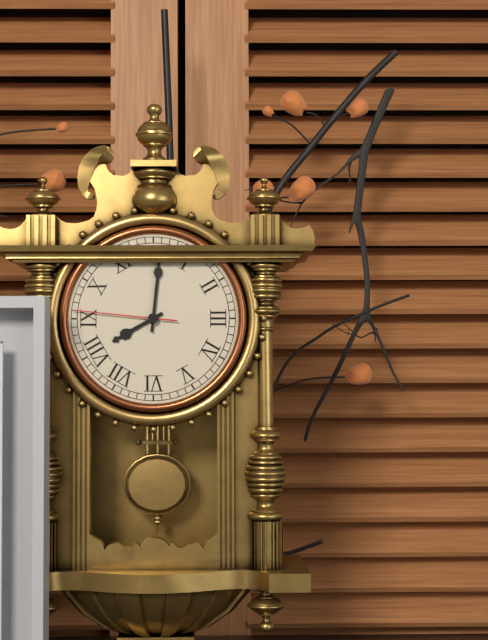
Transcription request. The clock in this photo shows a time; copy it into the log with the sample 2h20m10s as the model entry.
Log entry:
8h01m46s
